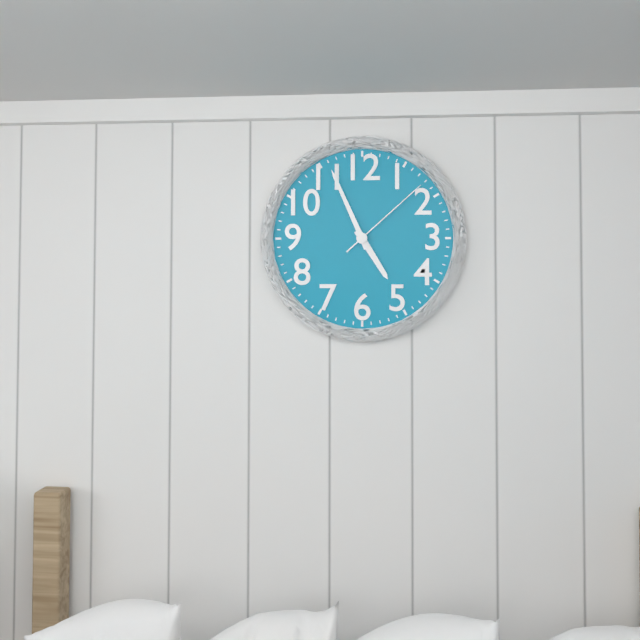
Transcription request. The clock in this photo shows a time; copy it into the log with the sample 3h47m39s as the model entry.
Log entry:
4h56m08s
